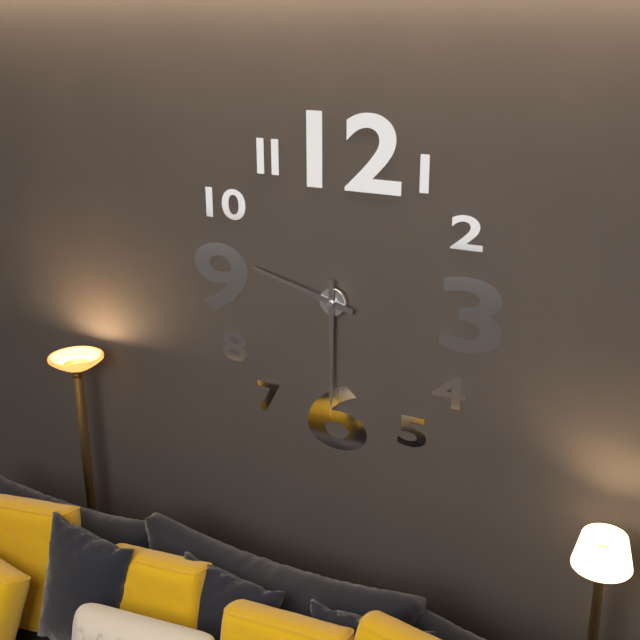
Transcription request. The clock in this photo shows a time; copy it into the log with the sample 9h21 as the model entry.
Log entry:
9h30
